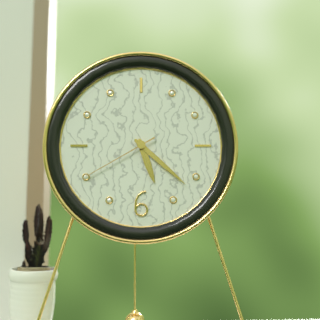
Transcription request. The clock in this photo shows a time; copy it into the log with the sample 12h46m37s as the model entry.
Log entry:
5h22m40s
